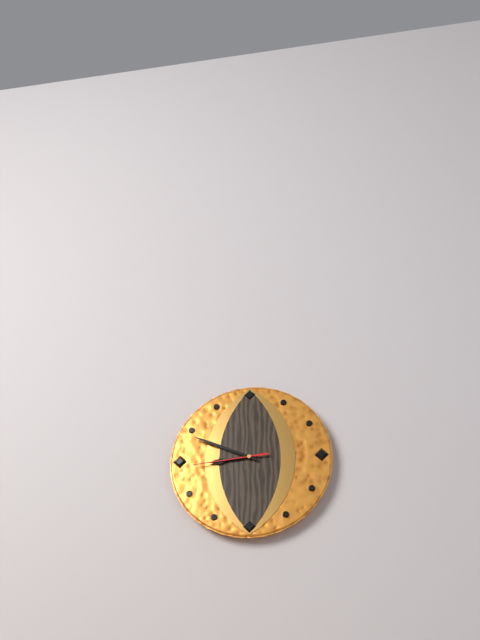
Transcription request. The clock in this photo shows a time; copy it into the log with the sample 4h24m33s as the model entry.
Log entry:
8h49m44s
